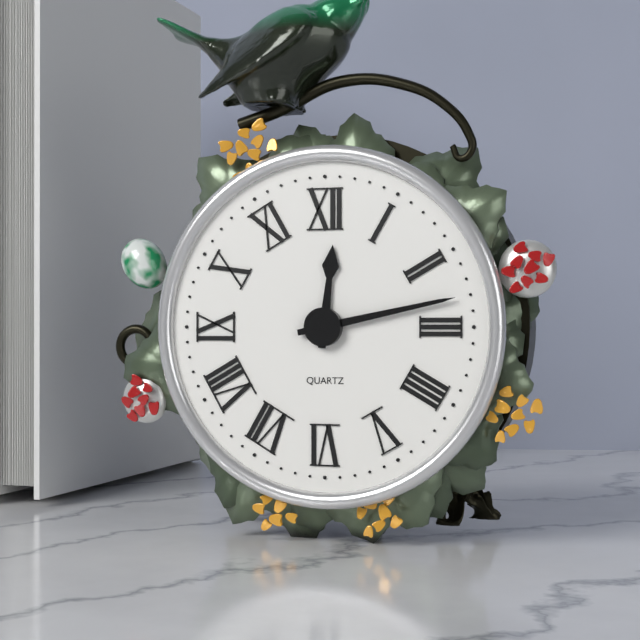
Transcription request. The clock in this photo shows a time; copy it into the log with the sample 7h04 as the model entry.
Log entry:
12h13
